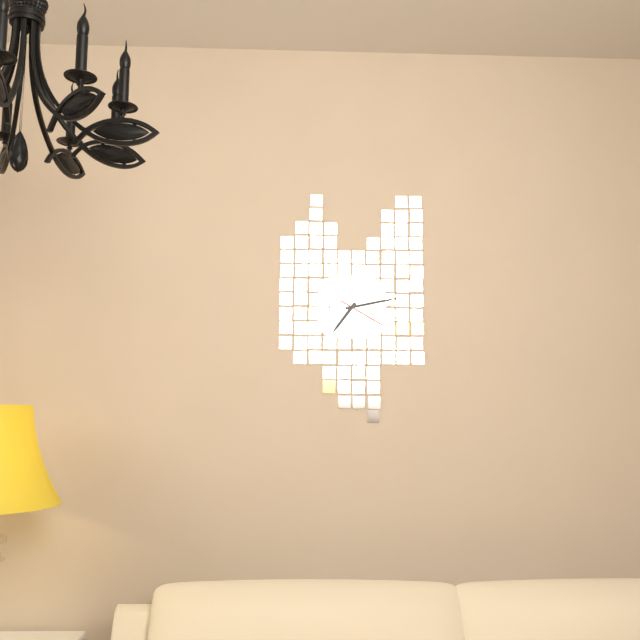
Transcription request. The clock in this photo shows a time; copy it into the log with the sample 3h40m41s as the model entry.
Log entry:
7h13m20s
